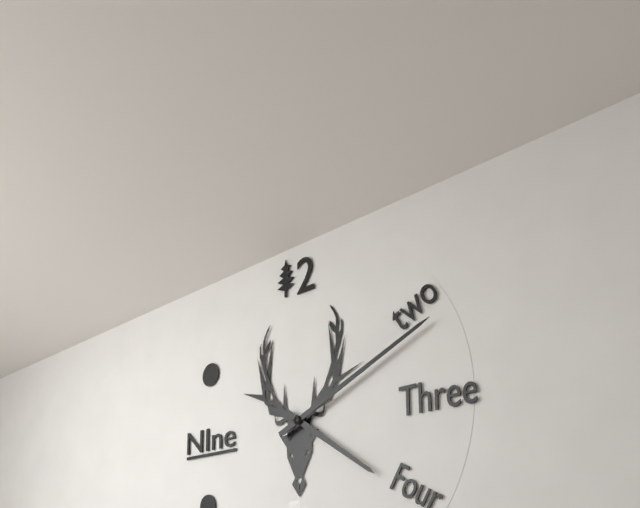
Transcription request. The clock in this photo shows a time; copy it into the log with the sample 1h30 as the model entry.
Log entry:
4h11
